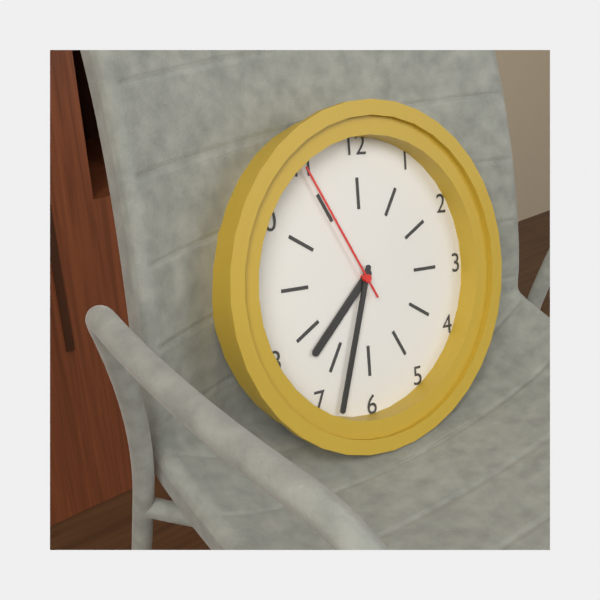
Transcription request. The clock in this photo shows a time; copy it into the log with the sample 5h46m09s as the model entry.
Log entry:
7h33m55s
